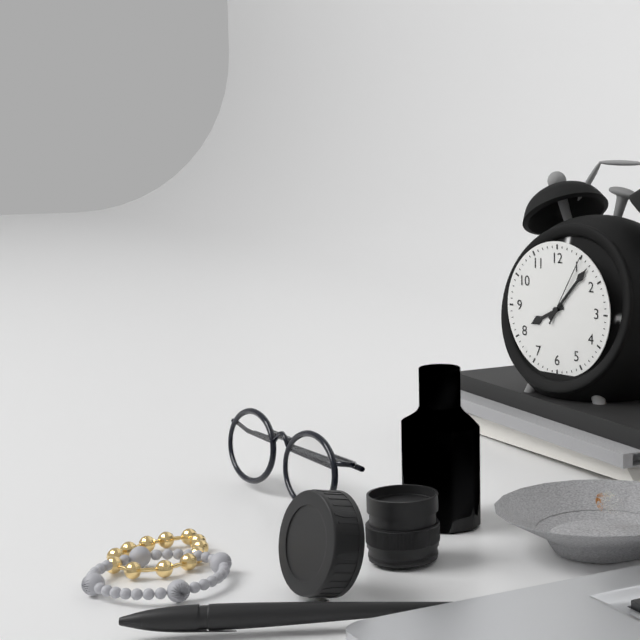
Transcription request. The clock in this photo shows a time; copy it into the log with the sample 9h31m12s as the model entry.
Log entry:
8h07m05s
